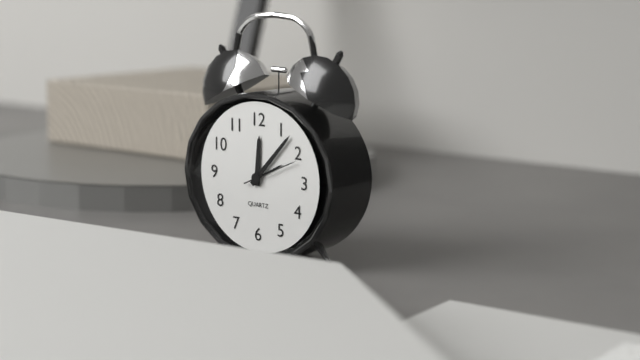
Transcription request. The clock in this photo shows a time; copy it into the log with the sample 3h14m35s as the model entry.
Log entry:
12h07m11s
